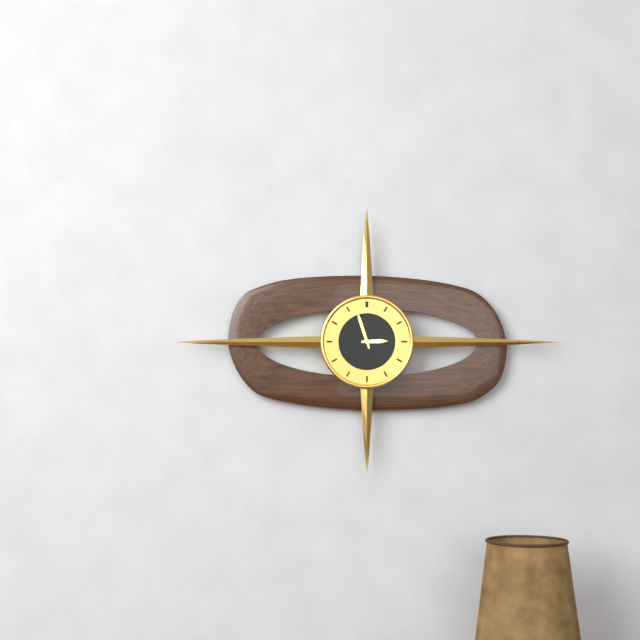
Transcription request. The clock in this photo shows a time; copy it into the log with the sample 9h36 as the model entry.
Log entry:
2h57
